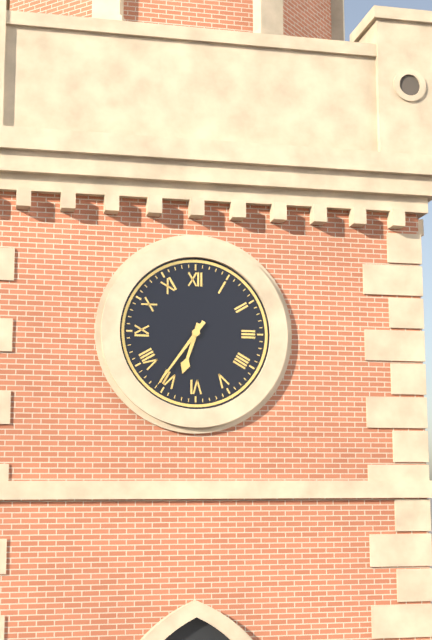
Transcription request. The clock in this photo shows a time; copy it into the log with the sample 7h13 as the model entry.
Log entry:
6h36
